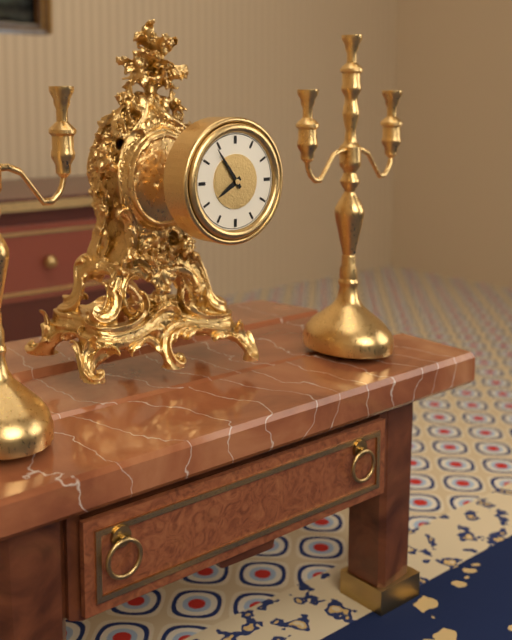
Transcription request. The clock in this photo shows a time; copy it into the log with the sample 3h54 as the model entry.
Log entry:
7h54
